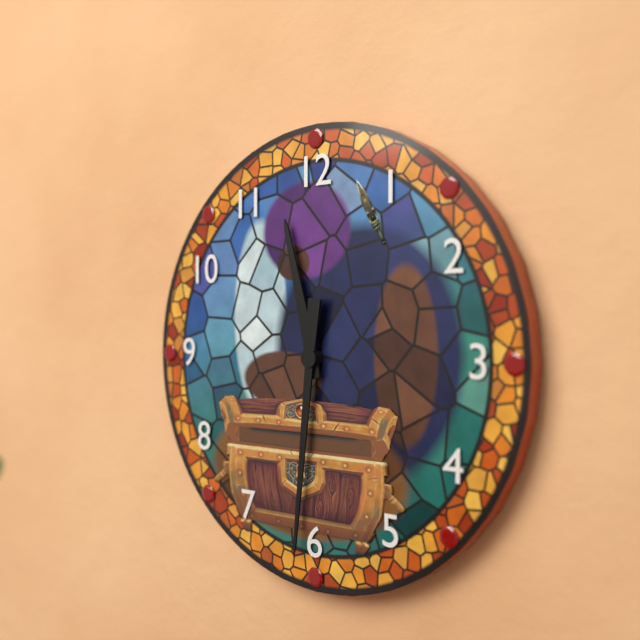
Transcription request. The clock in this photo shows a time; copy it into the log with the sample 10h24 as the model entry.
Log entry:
11h31
